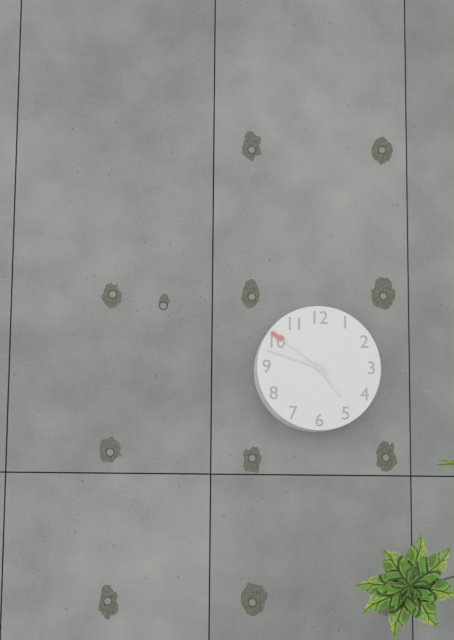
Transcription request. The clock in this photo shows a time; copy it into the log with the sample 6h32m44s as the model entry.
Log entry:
4h48m51s
